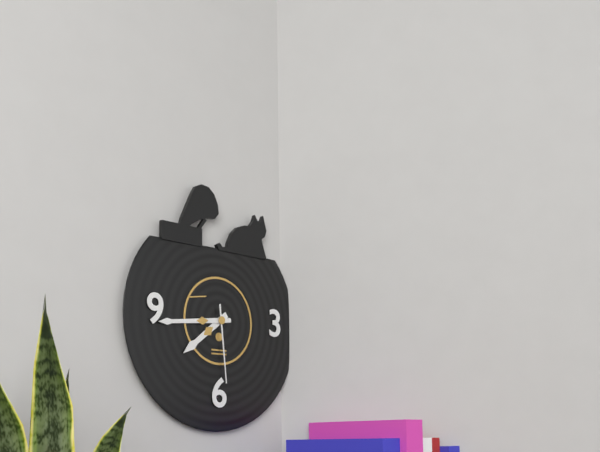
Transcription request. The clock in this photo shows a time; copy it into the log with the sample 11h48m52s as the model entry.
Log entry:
7h44m29s
